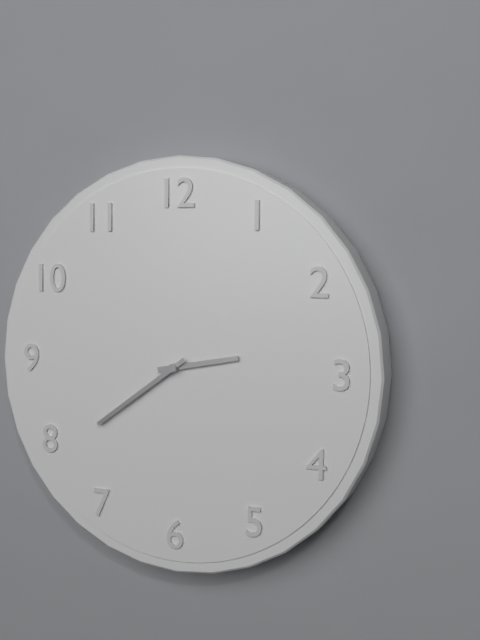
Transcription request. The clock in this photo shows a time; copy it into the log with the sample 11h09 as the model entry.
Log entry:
2h39
